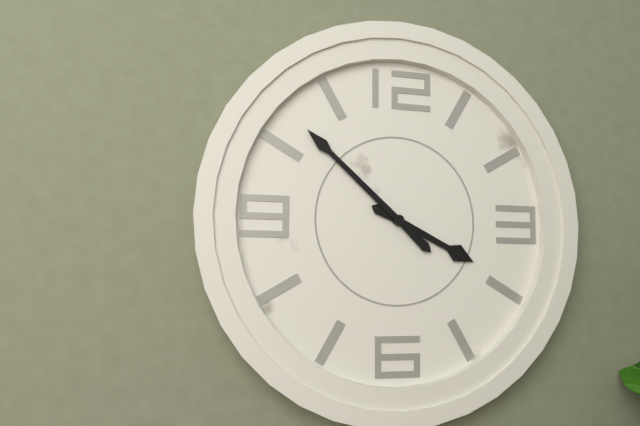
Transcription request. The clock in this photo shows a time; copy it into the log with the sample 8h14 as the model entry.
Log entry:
3h52
